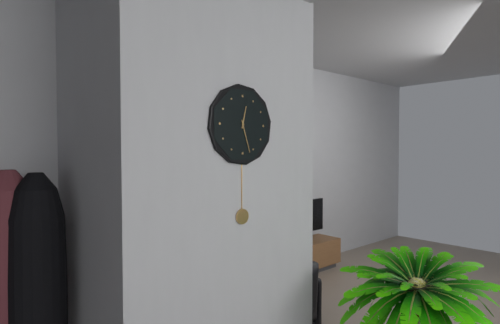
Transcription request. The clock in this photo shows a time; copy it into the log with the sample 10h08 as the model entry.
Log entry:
12h27
